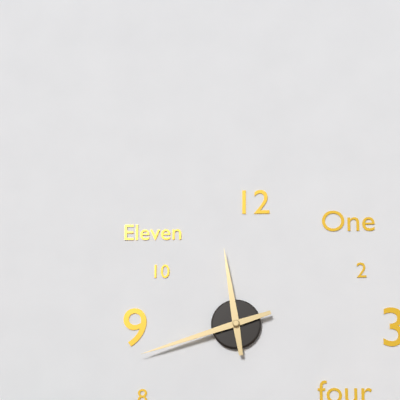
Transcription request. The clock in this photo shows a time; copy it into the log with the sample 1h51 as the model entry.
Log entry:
11h42
